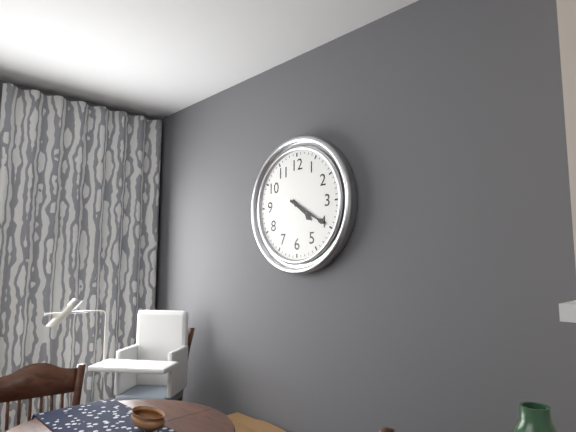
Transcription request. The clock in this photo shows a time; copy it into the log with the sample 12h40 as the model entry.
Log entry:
4h20
